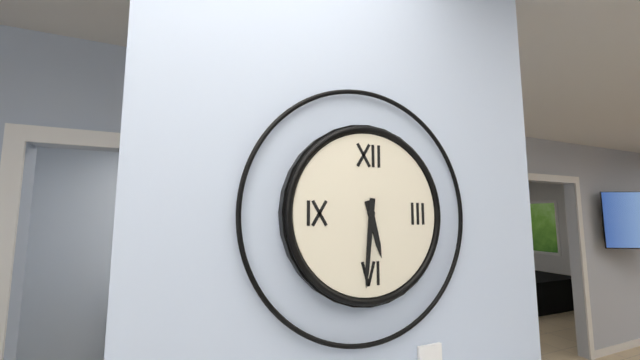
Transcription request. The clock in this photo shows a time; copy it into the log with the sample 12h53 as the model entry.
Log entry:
5h31
